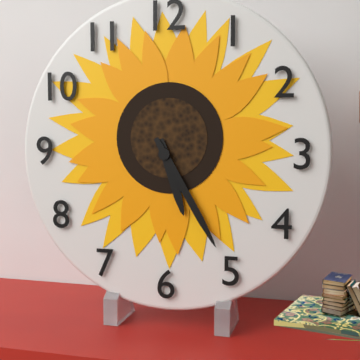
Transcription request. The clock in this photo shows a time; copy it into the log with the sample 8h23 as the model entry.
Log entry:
5h25
